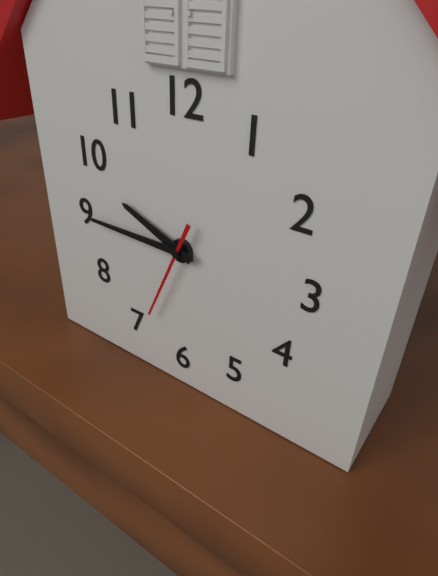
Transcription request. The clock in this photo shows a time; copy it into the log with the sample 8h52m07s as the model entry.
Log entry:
9h45m34s
